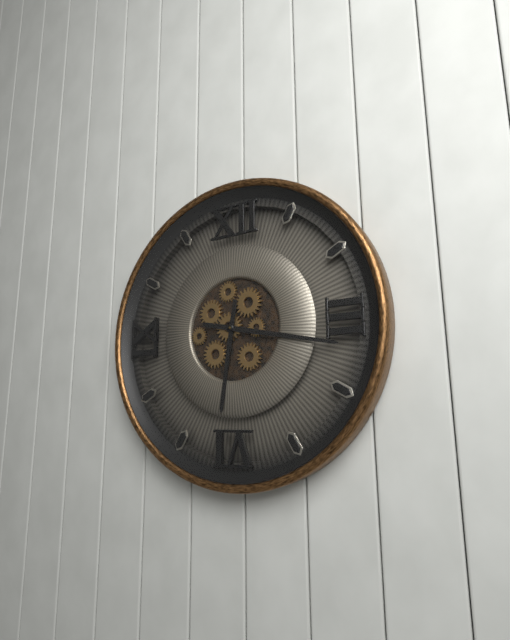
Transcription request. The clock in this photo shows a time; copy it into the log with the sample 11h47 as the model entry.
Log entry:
6h17
